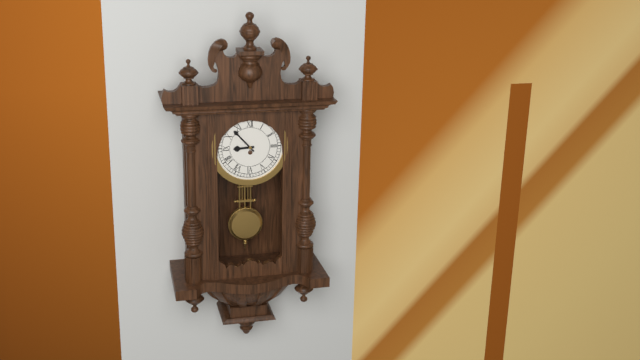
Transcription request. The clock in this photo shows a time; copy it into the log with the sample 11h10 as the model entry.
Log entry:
8h53
